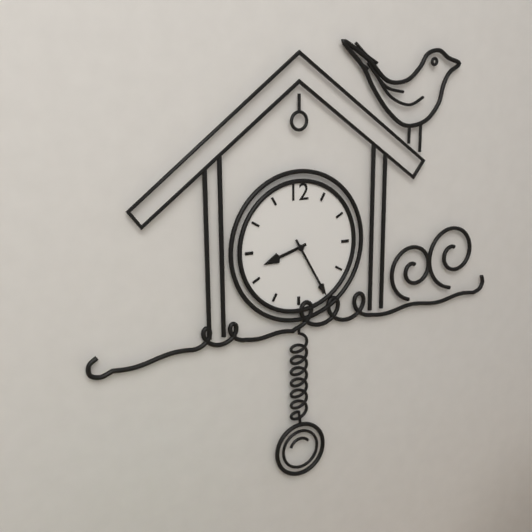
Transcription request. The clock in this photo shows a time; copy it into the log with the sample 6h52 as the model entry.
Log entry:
8h25
